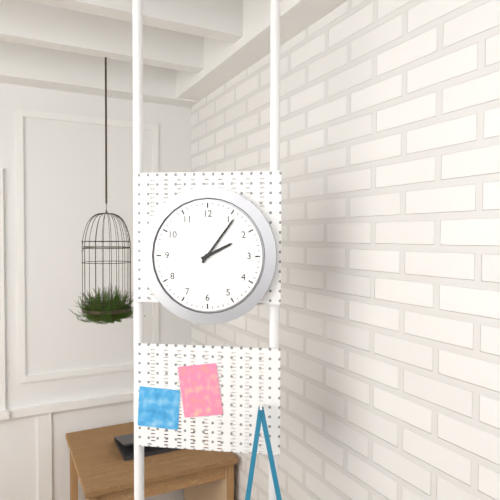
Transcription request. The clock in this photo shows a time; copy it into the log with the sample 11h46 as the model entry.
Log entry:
2h06
